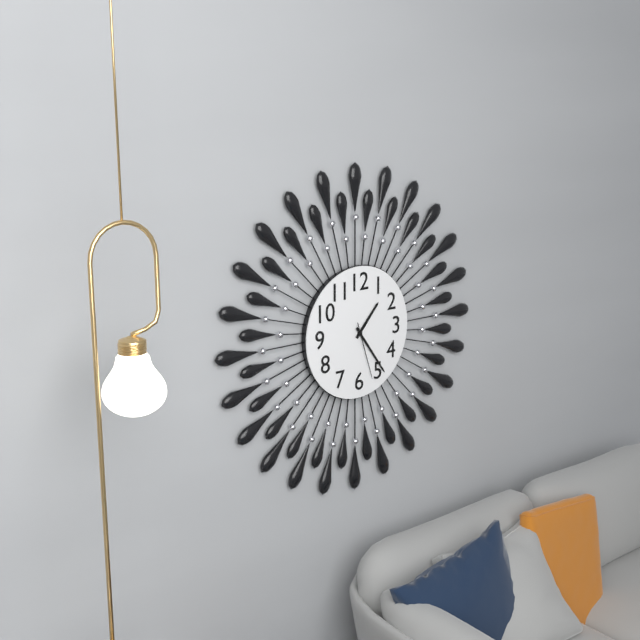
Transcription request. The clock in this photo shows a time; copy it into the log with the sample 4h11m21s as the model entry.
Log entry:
1h24m27s
